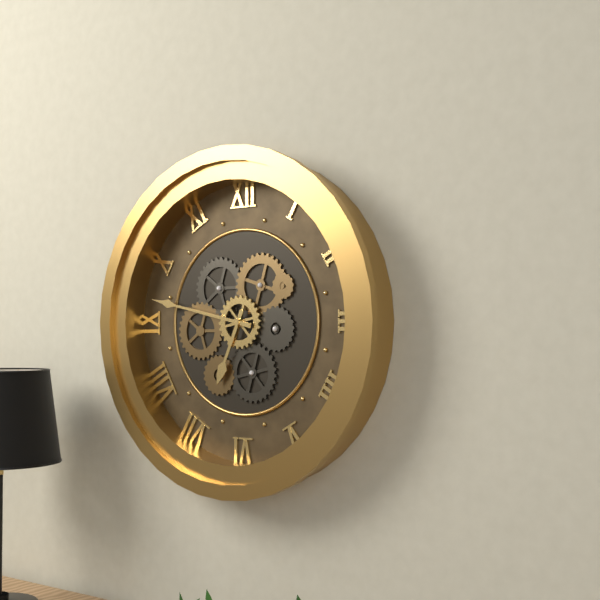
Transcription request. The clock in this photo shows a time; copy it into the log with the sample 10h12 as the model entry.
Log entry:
6h47
